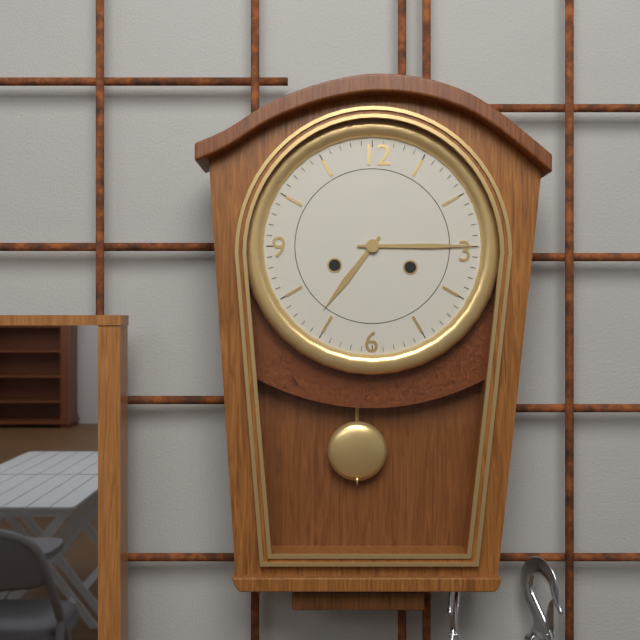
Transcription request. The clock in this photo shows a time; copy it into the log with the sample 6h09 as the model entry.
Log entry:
7h15
